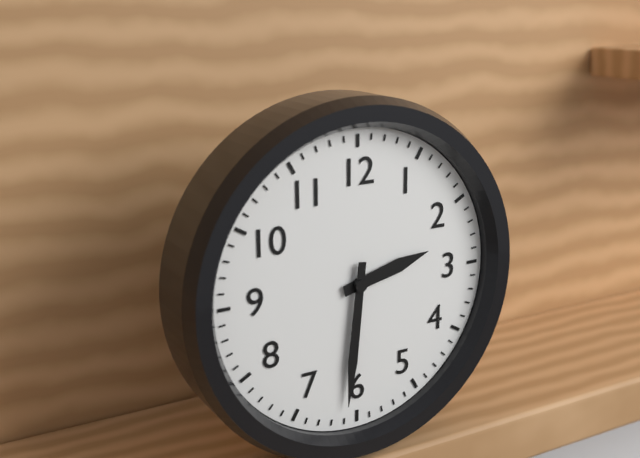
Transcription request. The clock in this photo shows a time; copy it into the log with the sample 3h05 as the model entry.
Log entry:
2h31
